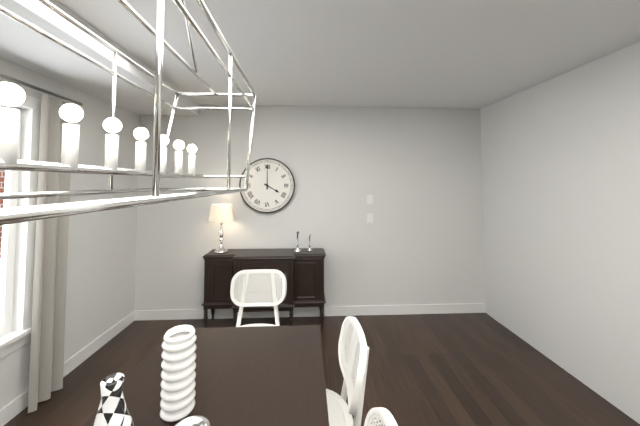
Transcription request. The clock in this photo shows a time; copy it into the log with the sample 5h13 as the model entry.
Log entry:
4h00
